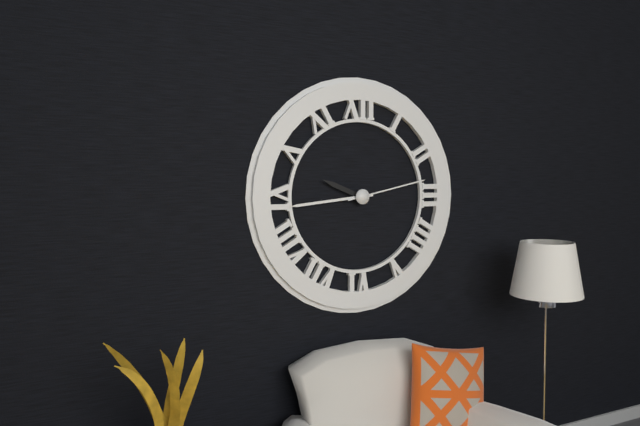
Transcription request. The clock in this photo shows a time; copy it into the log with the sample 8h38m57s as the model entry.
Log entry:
9h44m13s
